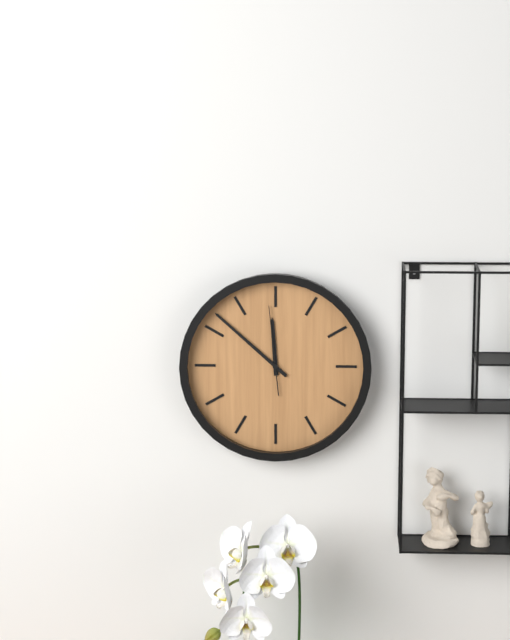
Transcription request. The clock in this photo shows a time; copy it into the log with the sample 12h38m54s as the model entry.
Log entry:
11h52m59s
